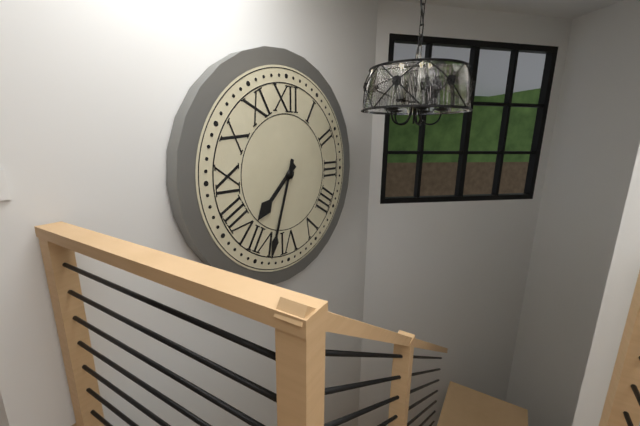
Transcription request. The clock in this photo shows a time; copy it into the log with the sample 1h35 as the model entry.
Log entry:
7h33
